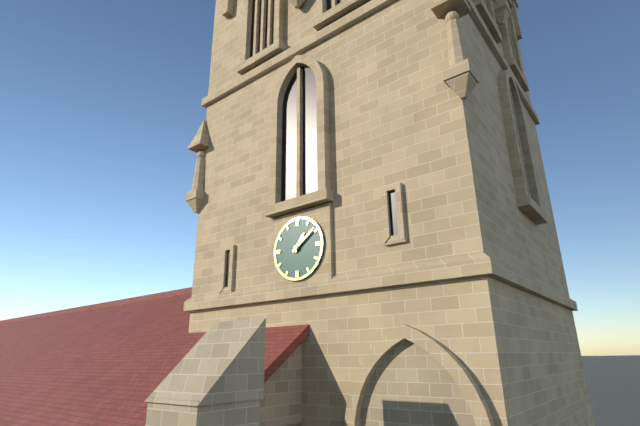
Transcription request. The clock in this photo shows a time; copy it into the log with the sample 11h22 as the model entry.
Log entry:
1h09
